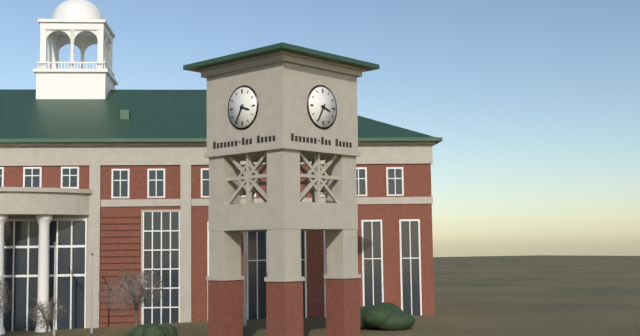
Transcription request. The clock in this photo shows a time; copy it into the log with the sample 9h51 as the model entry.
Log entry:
3h35
